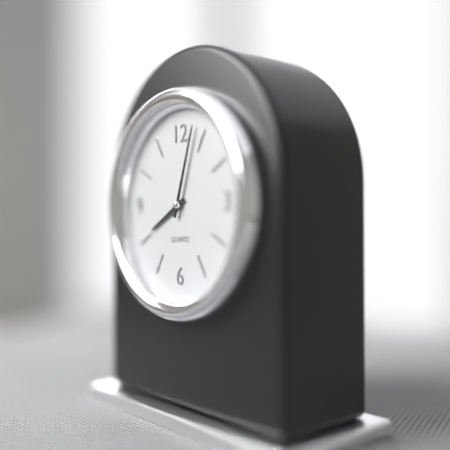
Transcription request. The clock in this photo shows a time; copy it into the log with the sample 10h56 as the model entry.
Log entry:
8h03
